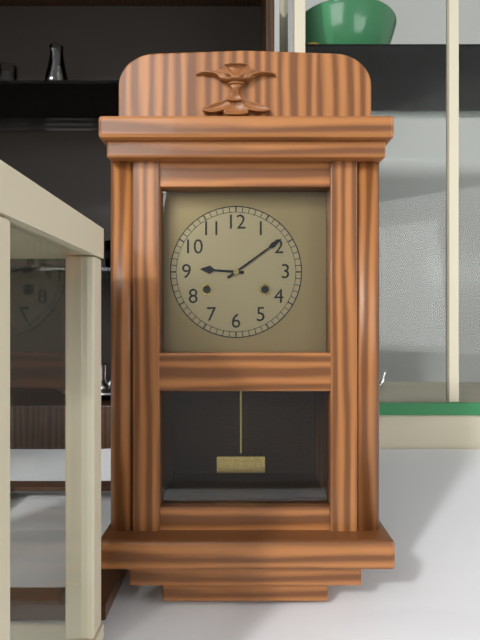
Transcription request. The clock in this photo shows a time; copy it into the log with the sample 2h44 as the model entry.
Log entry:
9h09
